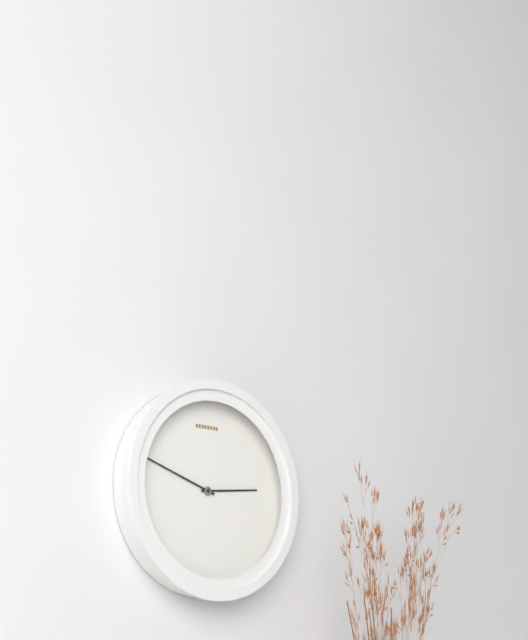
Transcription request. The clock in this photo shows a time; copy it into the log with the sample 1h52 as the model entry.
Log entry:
2h48
